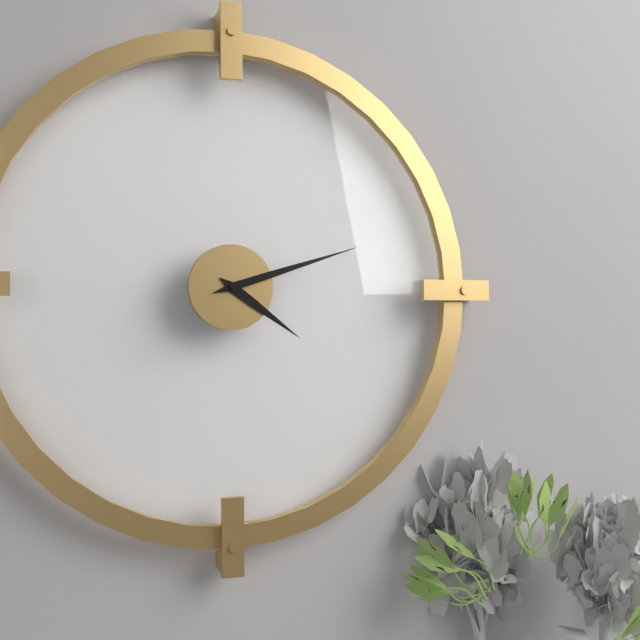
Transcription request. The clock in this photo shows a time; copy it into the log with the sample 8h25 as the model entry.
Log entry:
4h12
